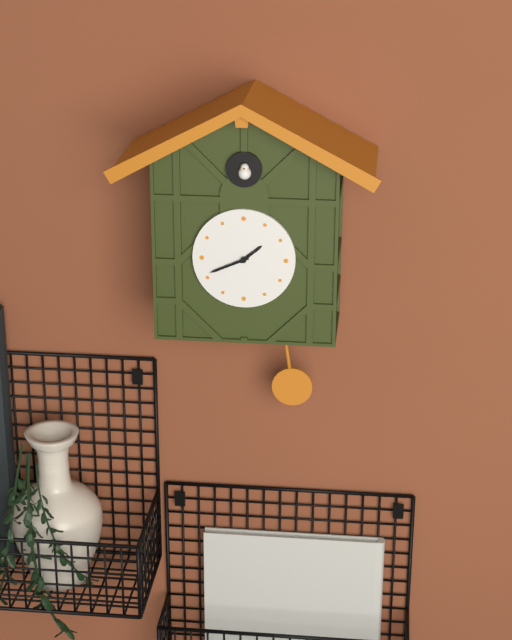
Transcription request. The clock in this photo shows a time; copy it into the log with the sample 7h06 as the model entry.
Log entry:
1h41
